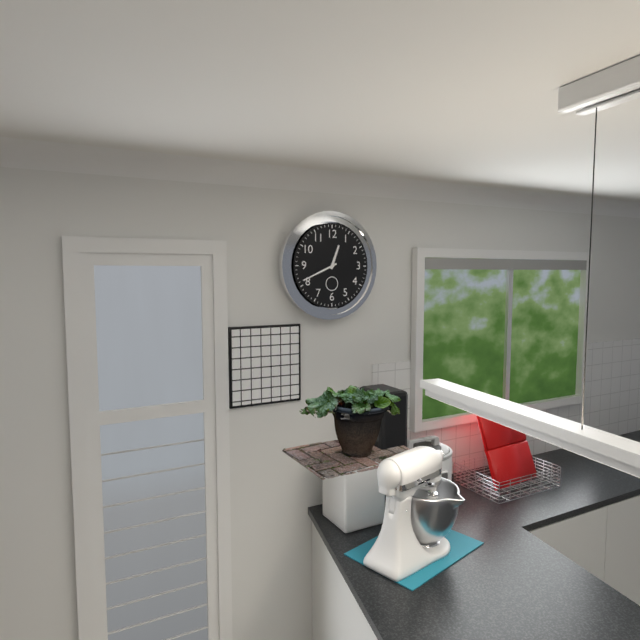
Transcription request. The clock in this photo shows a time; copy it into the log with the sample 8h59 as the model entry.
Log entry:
12h41
